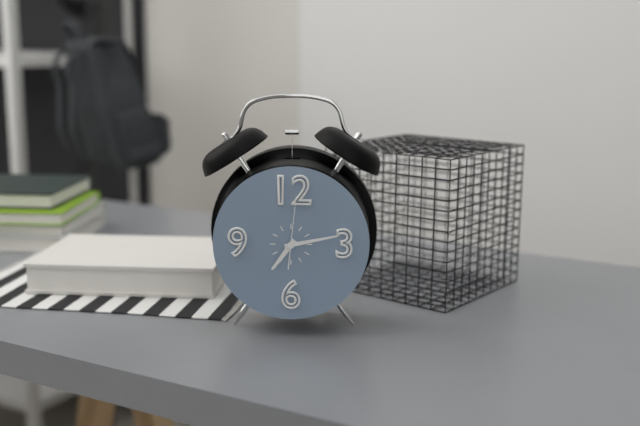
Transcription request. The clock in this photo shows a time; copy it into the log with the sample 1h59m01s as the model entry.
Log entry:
7h13m01s
